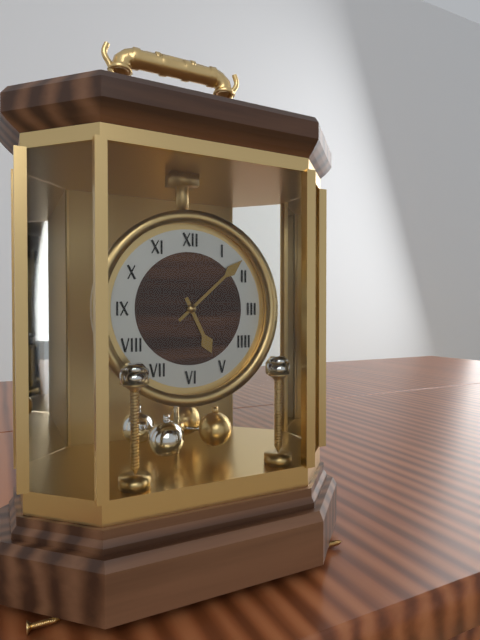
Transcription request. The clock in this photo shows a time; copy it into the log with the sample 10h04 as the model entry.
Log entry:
5h08
